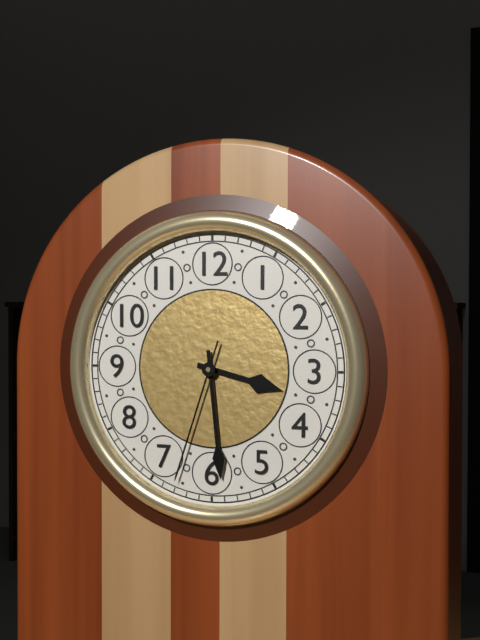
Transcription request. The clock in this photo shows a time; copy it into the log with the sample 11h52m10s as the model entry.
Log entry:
3h29m33s
